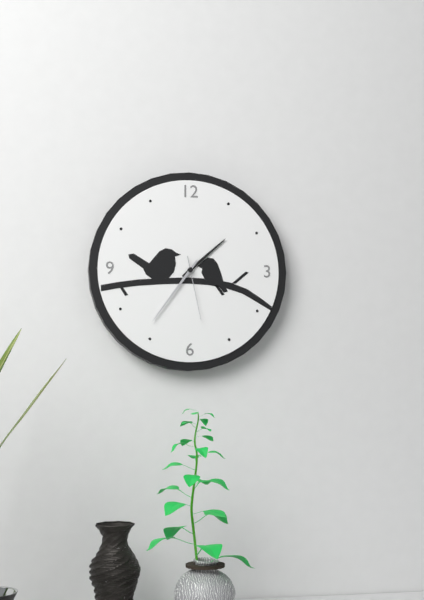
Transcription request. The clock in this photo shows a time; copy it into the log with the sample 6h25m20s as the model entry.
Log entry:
1h36m28s
